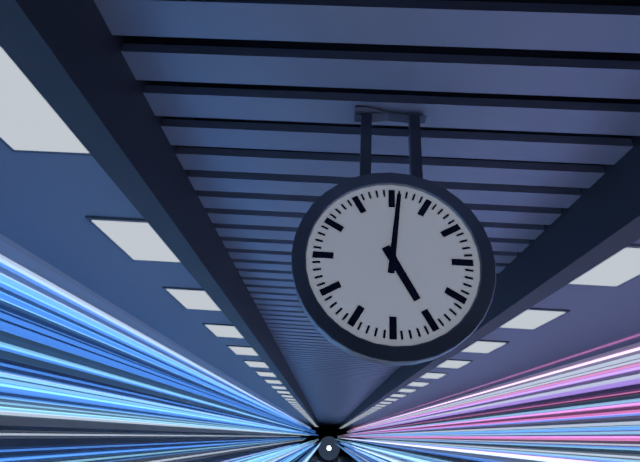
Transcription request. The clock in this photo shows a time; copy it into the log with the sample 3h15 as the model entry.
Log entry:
5h01
